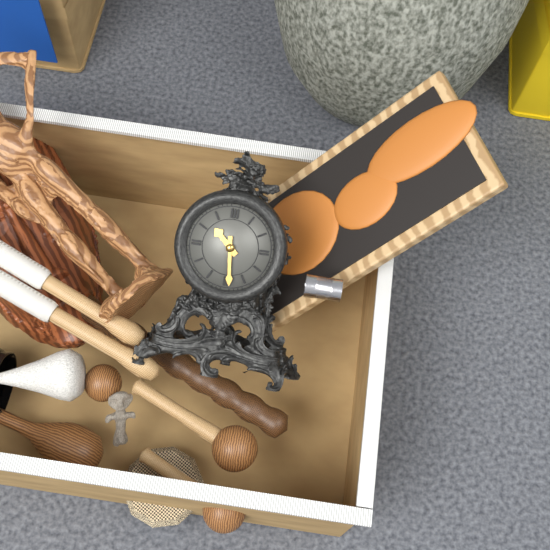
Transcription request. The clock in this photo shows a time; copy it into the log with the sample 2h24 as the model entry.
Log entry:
10h29
